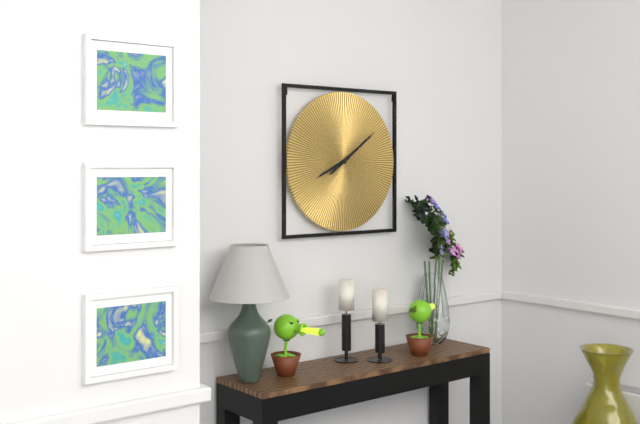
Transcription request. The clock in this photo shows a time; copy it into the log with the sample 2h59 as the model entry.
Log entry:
8h09
